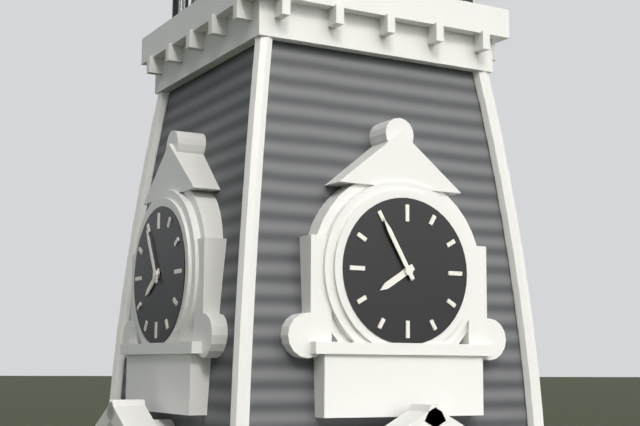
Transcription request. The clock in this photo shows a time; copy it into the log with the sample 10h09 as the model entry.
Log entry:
7h55
